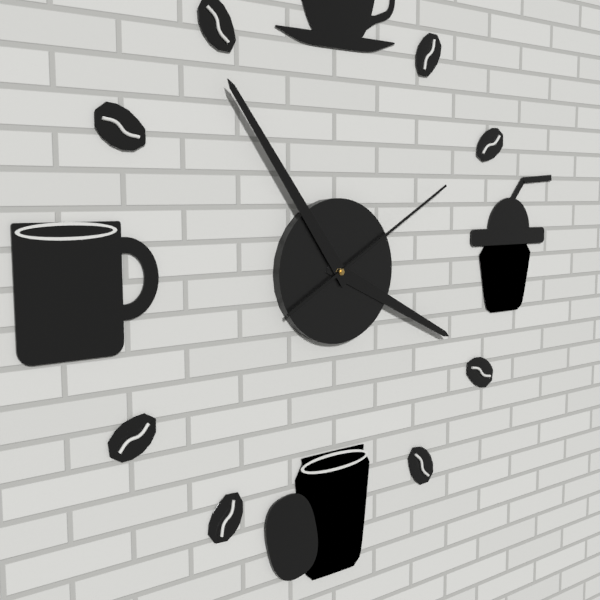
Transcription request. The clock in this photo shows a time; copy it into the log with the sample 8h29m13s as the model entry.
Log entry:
3h54m10s
